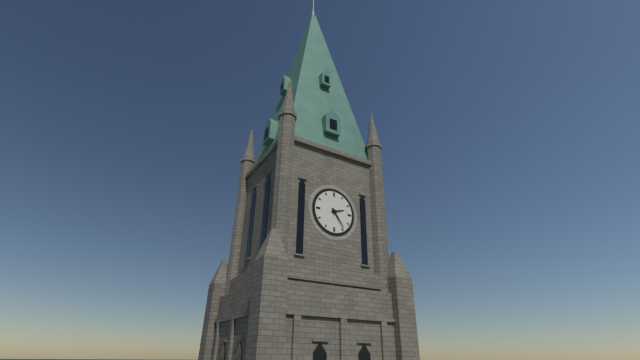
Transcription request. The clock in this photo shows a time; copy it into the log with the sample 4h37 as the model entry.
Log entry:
2h24
